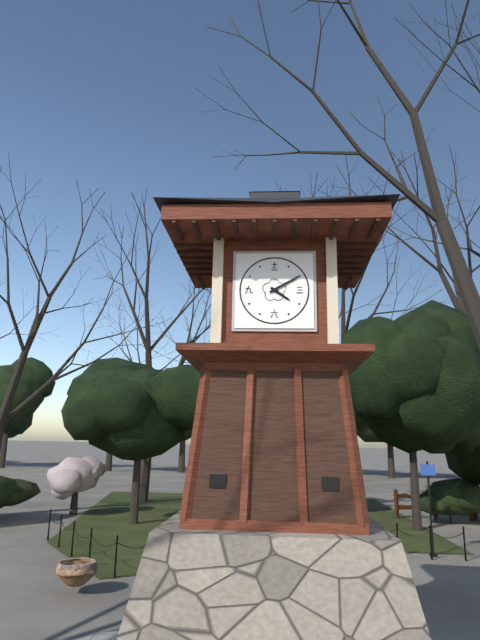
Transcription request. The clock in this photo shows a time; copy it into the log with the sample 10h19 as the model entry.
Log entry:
4h10
